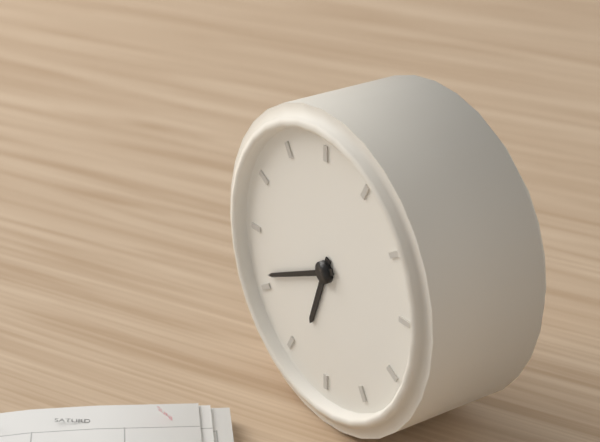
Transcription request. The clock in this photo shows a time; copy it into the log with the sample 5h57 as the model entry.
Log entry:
6h41
